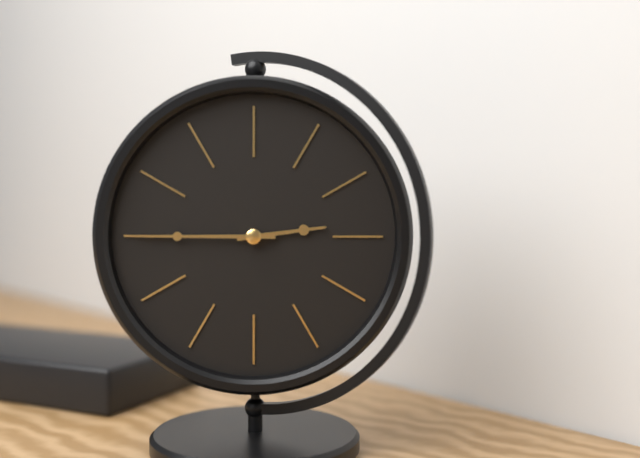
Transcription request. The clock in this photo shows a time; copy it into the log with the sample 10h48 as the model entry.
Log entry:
2h45
